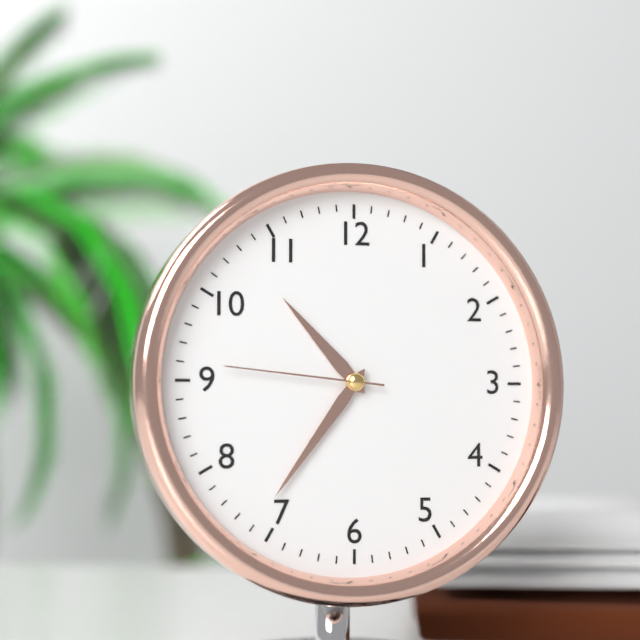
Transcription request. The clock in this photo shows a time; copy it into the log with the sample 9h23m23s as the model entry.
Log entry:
10h36m46s
